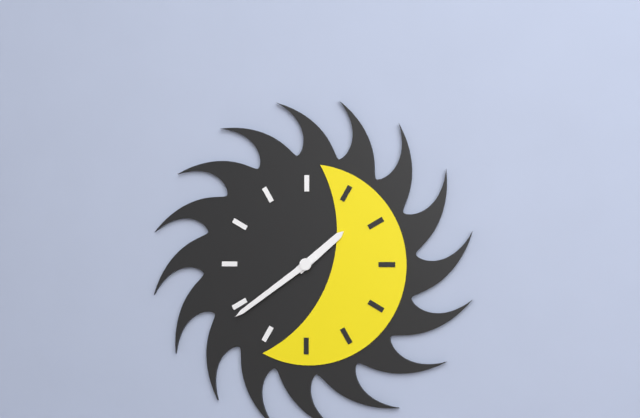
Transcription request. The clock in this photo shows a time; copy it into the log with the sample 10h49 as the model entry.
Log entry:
1h39
